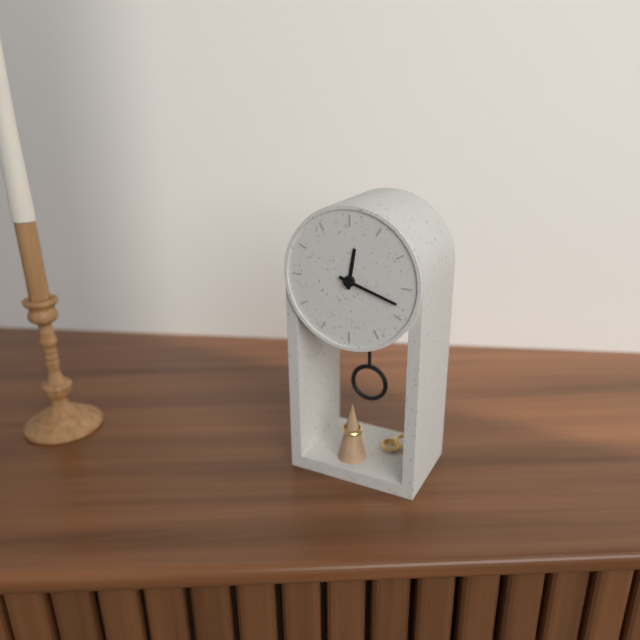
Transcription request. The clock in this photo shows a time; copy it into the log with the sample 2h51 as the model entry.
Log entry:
12h18
